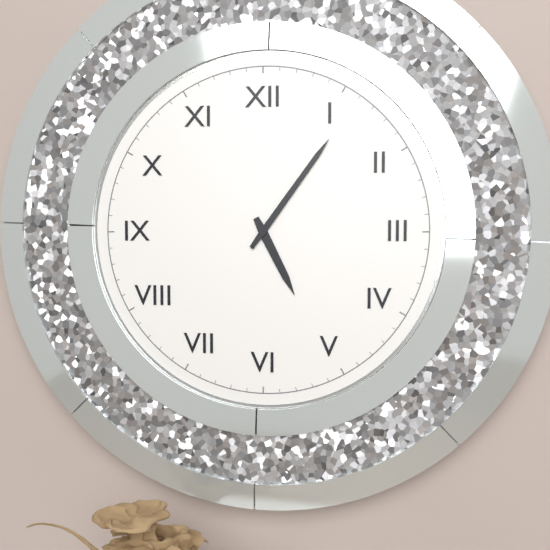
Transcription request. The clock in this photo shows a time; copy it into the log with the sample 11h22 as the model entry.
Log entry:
5h06
